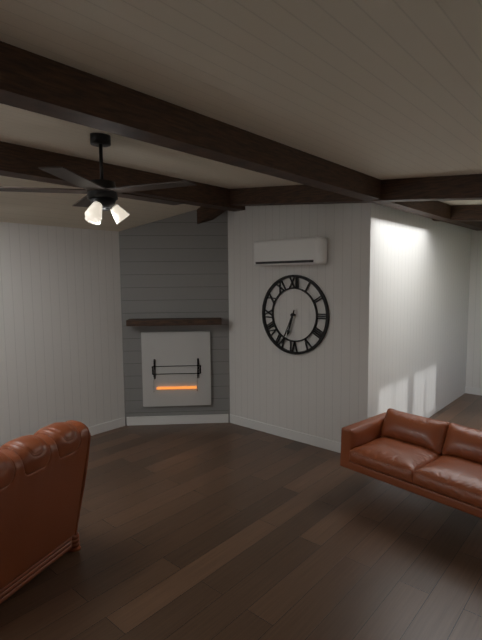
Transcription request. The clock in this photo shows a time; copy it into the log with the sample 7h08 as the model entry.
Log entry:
6h34
